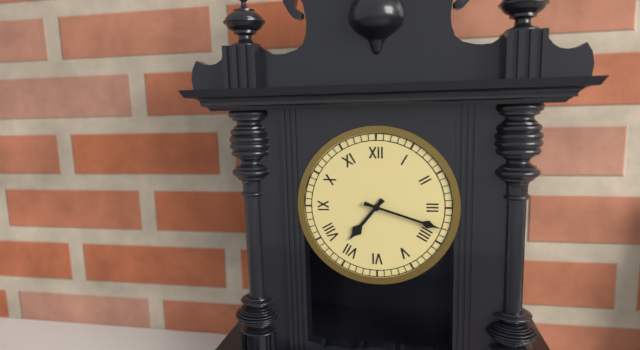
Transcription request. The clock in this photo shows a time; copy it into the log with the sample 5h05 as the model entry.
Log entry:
7h18
